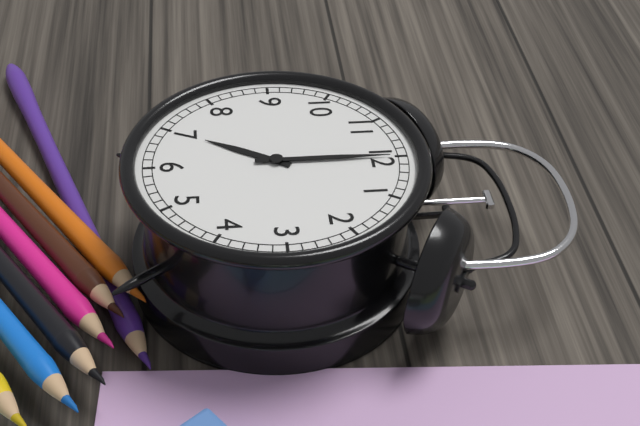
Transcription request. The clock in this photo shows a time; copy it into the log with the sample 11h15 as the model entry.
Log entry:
7h00
